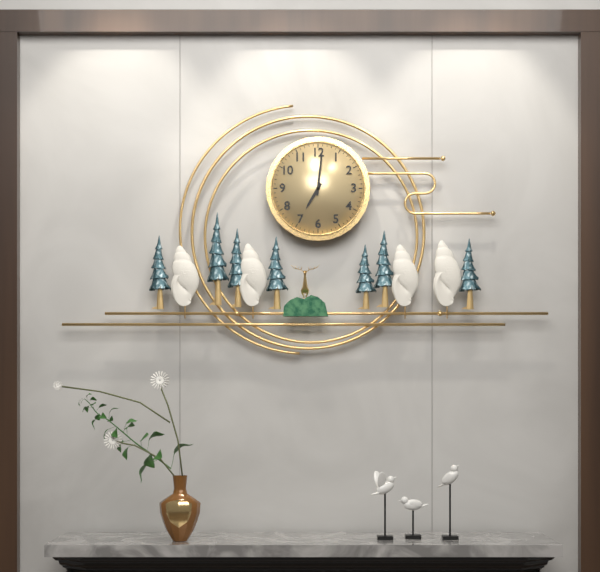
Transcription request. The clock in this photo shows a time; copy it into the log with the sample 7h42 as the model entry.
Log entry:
7h01
